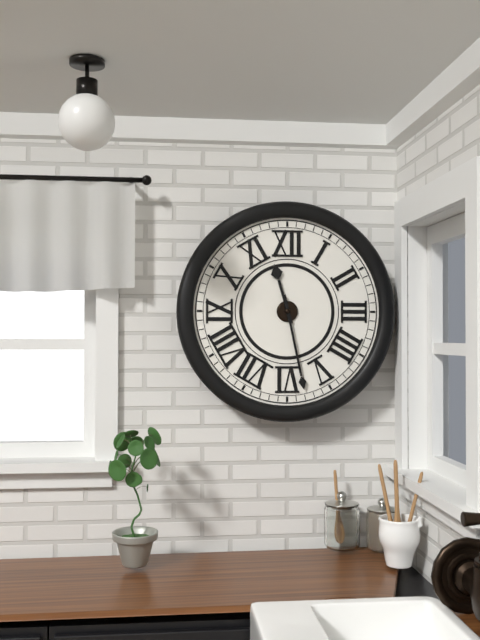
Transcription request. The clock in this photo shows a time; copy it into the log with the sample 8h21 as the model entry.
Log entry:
11h28
